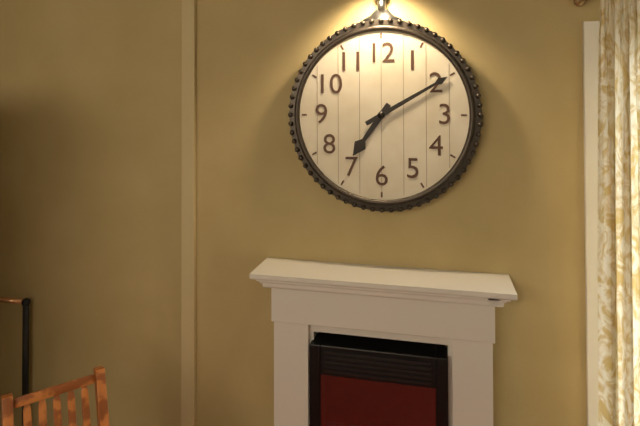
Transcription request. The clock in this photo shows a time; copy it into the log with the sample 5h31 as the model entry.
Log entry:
7h10
